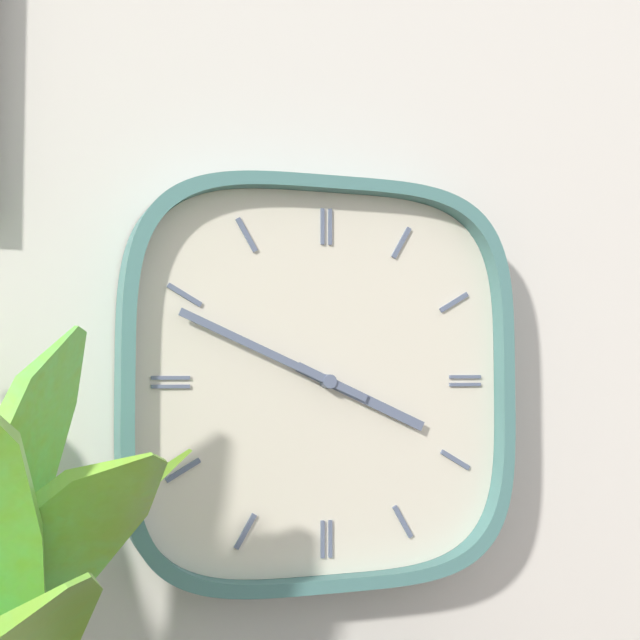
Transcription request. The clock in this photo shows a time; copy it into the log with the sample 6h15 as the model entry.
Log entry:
3h49
